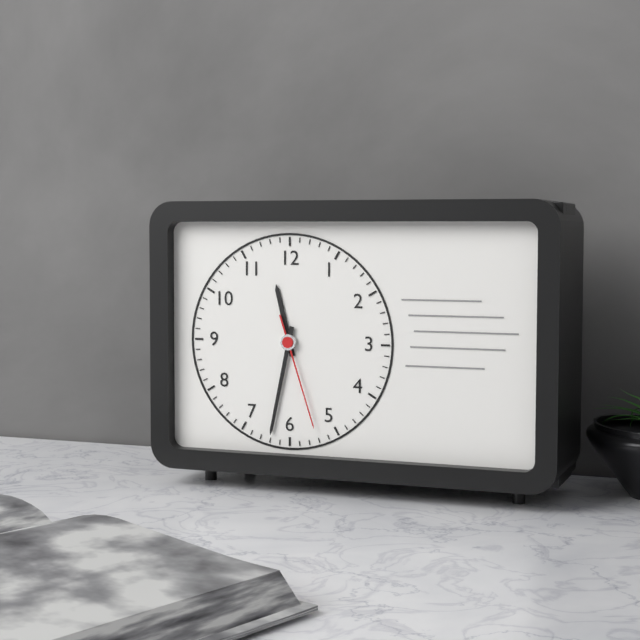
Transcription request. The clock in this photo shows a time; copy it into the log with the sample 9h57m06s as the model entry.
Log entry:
11h32m27s
